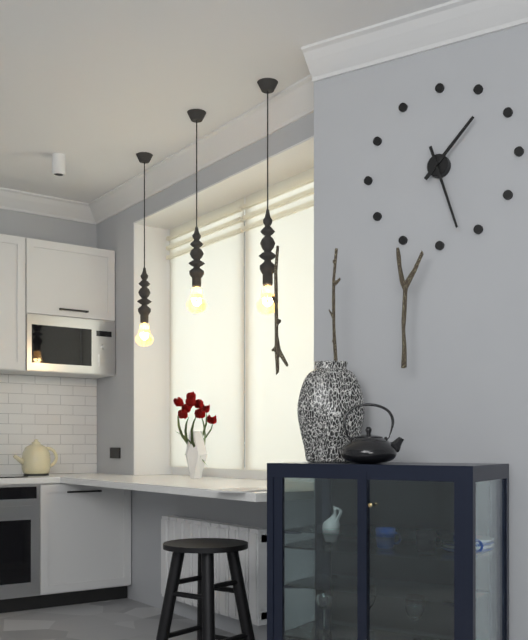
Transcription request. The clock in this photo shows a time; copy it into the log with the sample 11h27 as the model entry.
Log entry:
1h27
